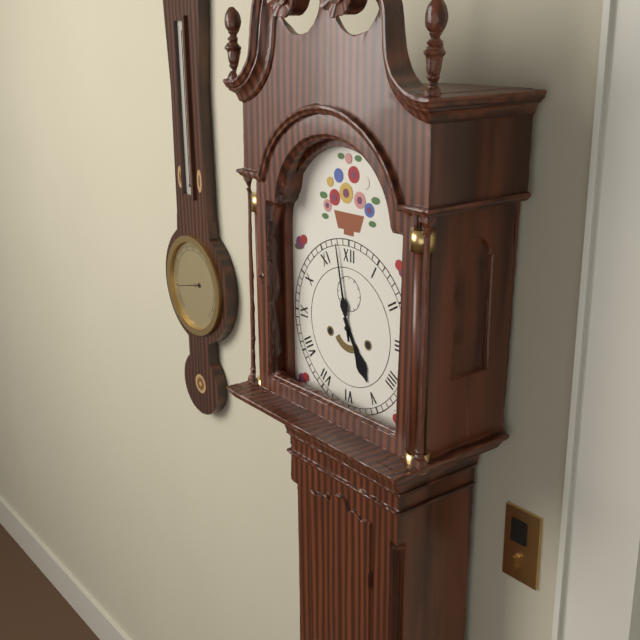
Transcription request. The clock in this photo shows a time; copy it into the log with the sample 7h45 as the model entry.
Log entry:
4h58
